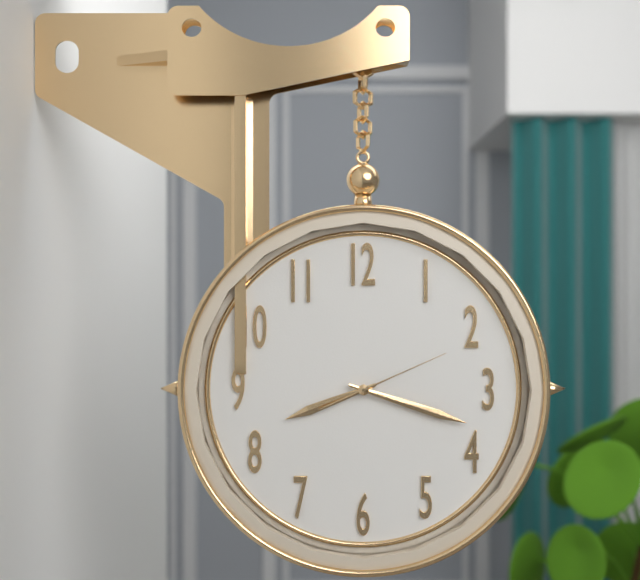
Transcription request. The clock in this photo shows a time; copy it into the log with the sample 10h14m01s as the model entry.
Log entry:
8h18m11s
